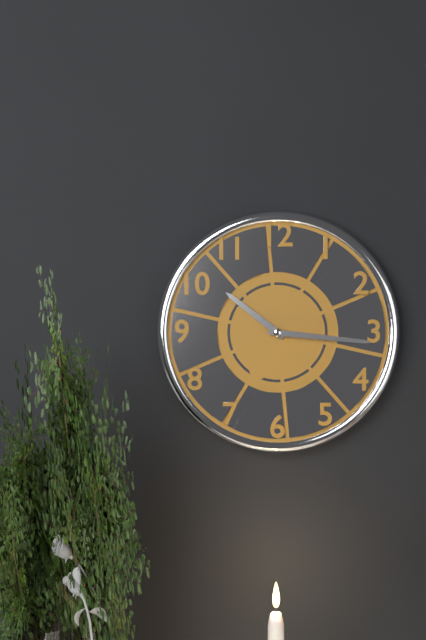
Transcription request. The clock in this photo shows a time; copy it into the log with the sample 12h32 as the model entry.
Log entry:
10h16
